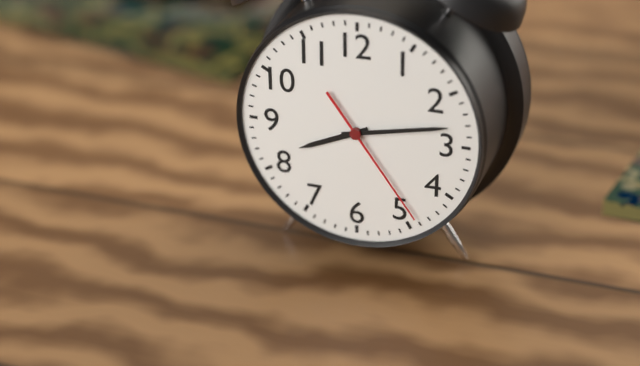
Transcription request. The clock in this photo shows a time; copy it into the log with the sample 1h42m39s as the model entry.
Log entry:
8h13m24s
